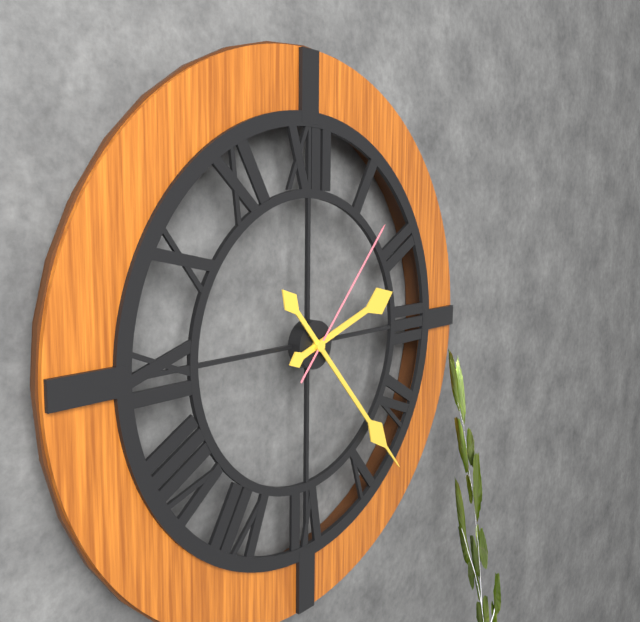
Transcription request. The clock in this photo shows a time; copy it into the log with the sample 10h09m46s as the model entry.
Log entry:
2h23m07s
